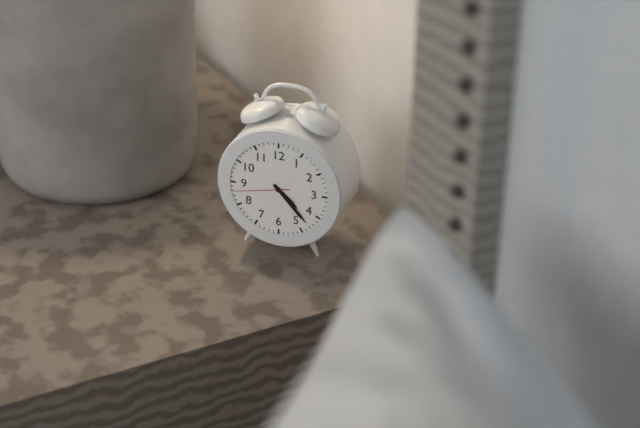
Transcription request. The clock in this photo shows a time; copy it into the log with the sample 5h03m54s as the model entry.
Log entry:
4h23m43s
